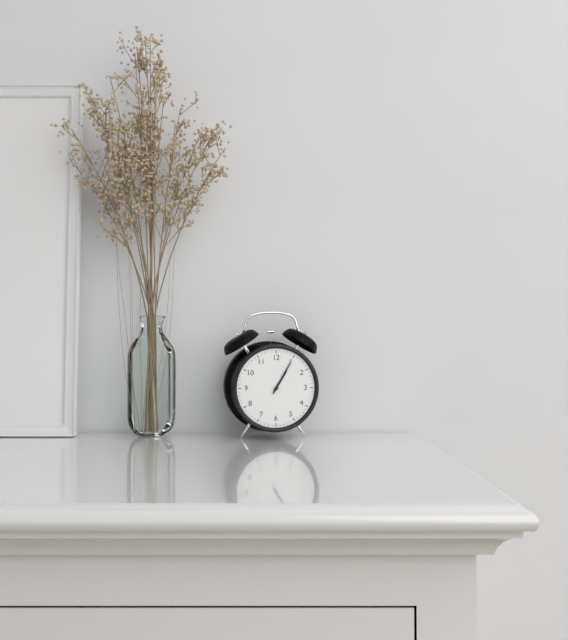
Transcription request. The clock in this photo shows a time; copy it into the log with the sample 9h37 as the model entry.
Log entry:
1h05
